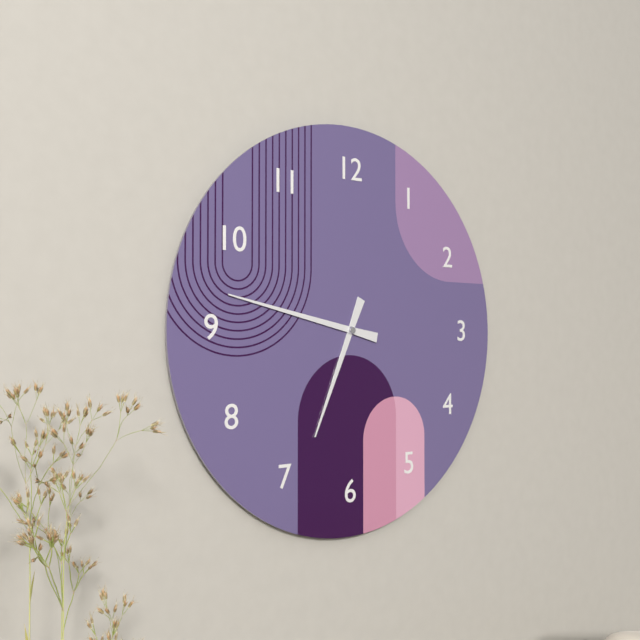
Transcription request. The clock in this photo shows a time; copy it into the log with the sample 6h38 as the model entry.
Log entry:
6h47
